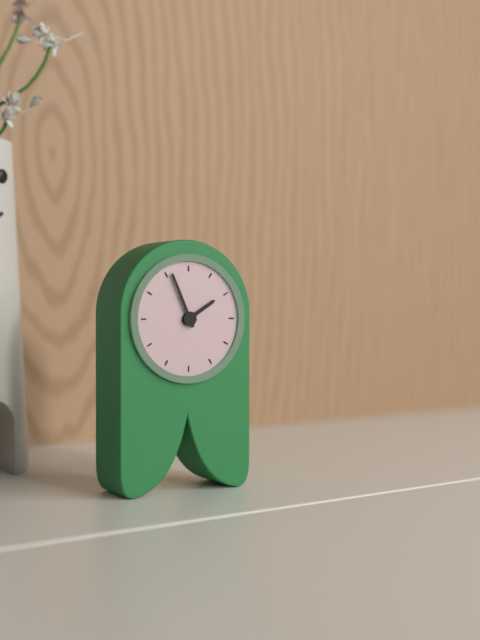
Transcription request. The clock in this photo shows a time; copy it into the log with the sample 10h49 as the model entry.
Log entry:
1h56
